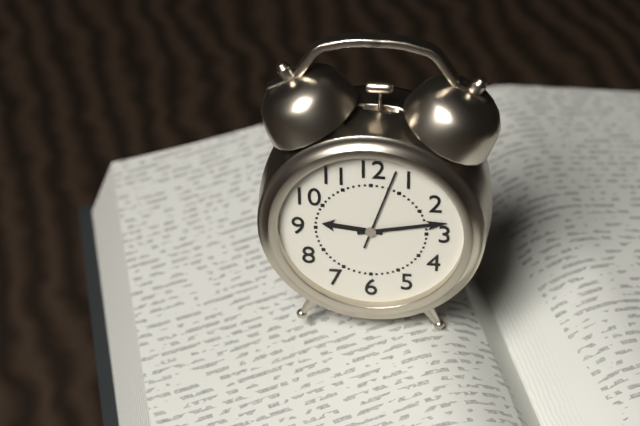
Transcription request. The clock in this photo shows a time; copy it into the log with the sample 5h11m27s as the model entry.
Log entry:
9h13m03s
